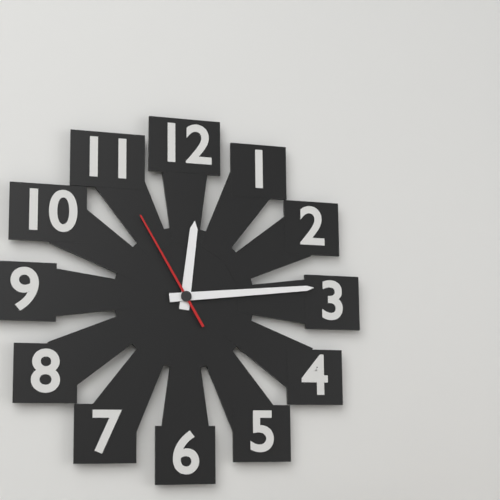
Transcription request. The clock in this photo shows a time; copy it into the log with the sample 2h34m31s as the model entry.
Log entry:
12h14m55s
